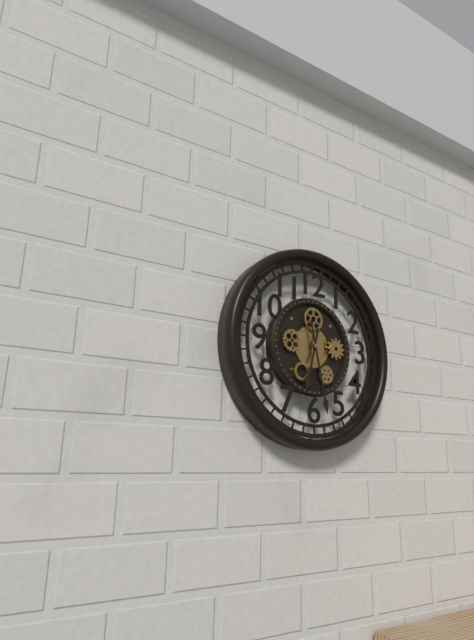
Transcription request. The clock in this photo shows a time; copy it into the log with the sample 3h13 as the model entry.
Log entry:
6h28
